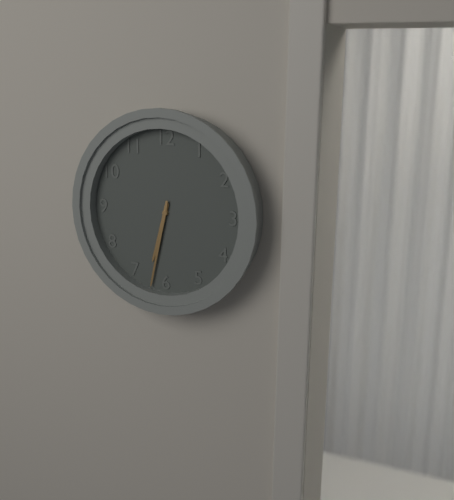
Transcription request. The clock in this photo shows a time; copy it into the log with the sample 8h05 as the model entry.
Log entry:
6h32
